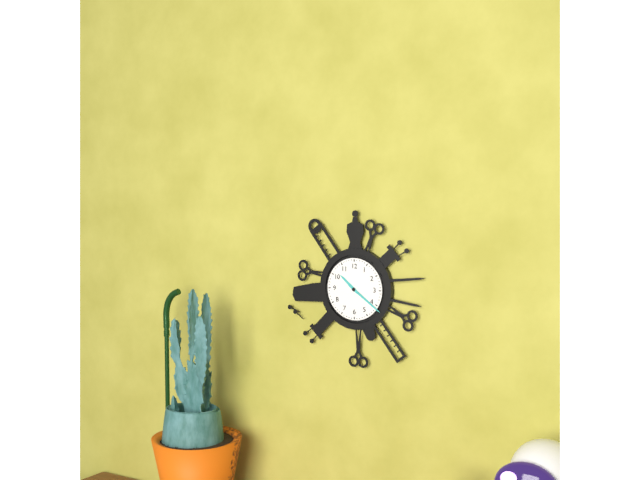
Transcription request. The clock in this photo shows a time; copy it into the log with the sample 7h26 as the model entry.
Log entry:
10h21
